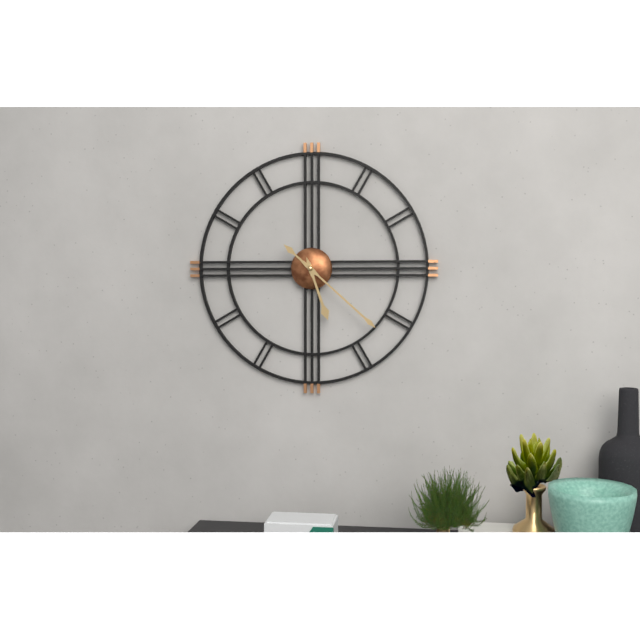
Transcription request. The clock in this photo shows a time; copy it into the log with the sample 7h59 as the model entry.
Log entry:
5h22
